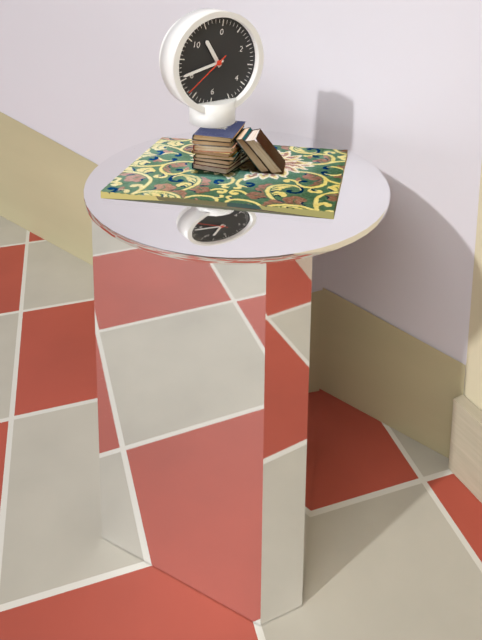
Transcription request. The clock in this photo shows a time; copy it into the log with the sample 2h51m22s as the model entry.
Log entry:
10h41m37s
